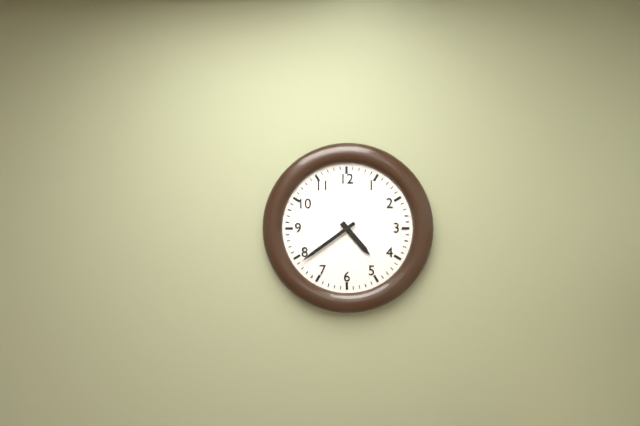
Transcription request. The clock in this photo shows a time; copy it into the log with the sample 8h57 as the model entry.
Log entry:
4h39
